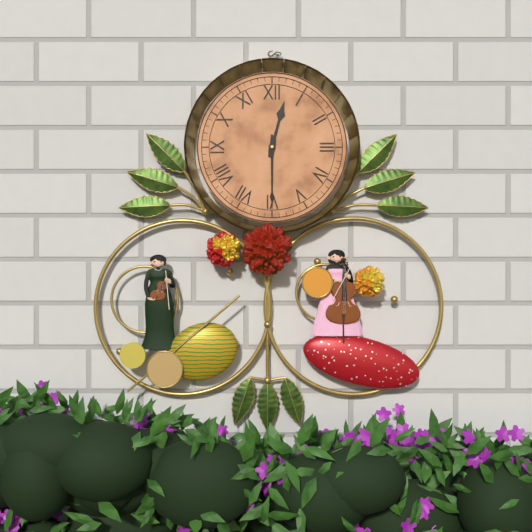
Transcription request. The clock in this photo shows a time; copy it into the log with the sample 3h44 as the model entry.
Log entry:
12h30
